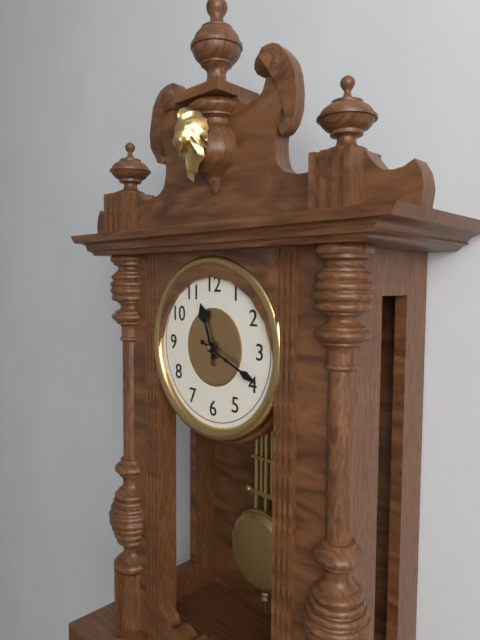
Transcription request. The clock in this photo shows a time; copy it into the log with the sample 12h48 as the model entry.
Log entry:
11h19
